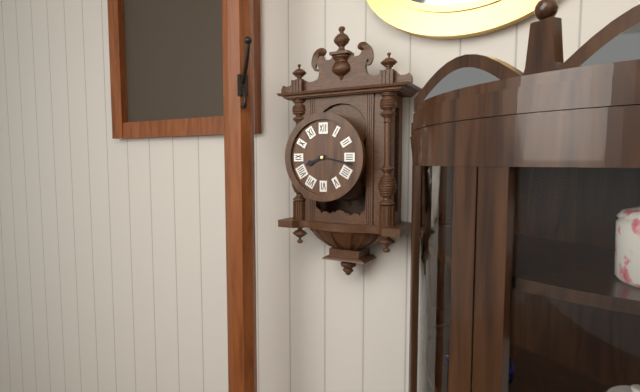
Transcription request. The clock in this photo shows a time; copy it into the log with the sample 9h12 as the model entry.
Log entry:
8h17
